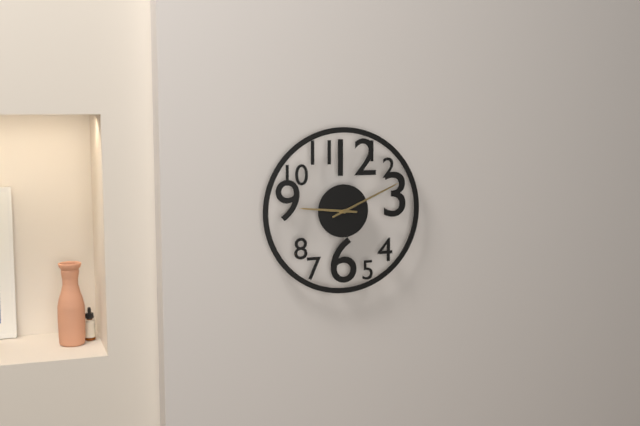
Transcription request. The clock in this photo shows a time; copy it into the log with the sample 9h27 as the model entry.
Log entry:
9h11
